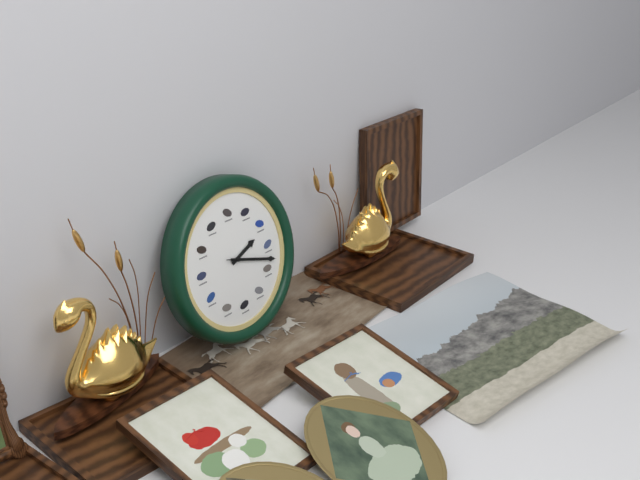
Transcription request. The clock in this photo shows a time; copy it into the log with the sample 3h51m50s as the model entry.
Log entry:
2h18m18s
